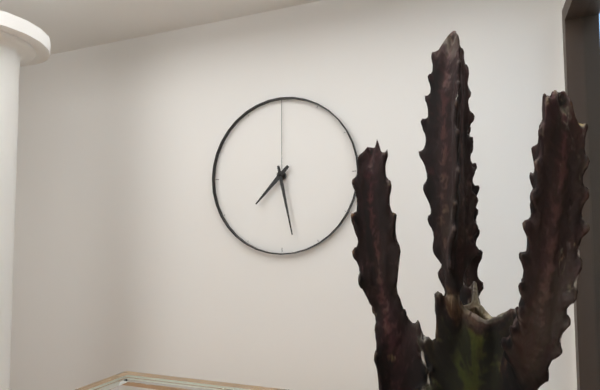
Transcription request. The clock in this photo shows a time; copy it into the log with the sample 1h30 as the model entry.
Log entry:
7h28
